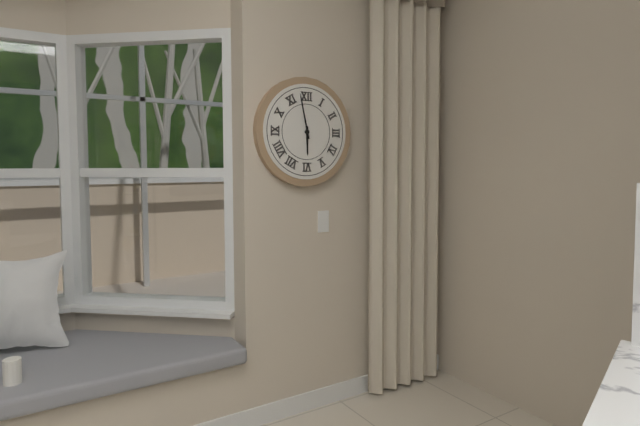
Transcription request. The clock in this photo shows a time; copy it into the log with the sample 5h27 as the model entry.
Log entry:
5h58
